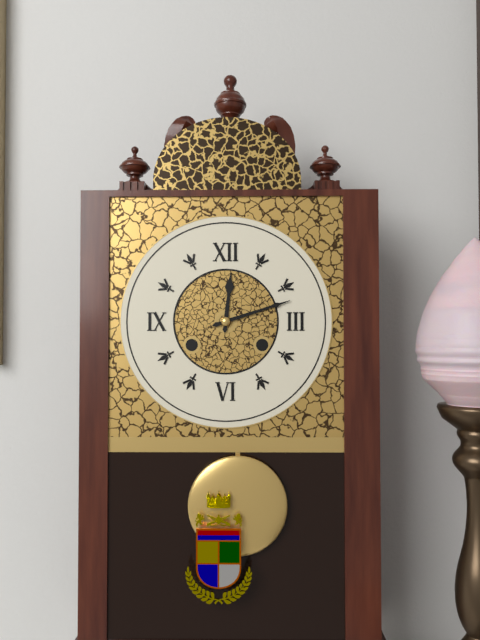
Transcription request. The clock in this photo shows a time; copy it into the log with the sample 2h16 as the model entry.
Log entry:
12h12
